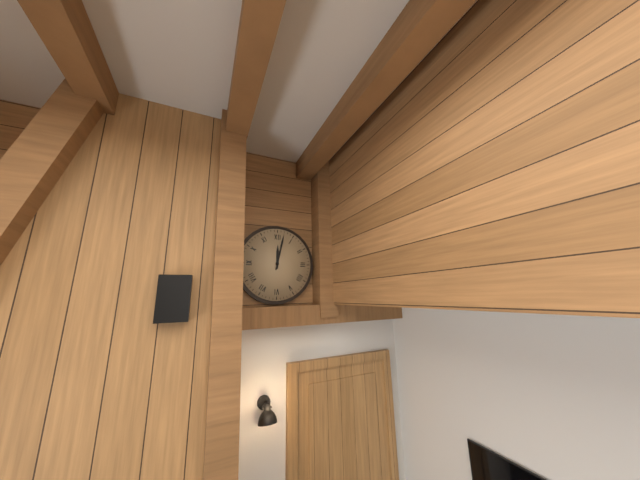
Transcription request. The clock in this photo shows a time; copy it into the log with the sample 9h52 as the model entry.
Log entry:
12h02
